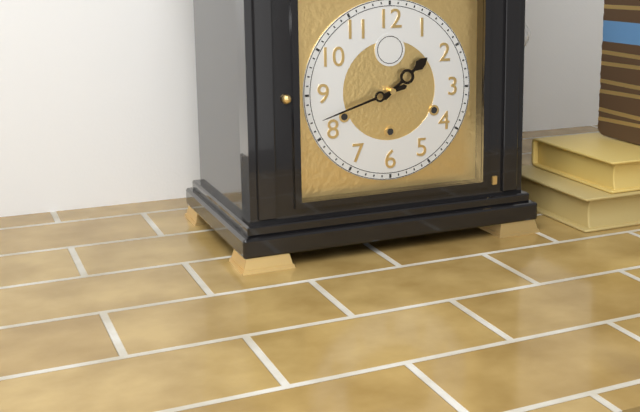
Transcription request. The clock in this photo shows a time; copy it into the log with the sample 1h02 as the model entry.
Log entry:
1h42
